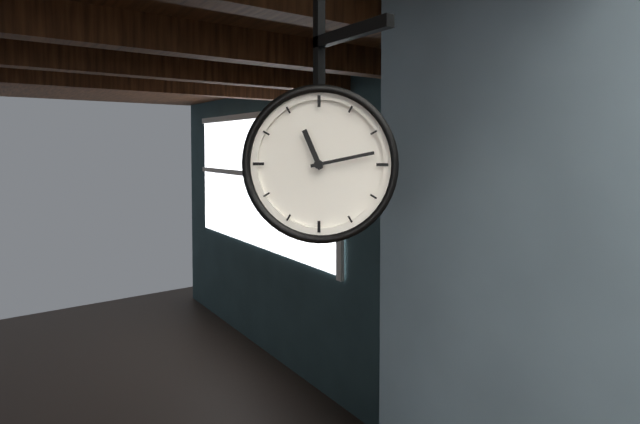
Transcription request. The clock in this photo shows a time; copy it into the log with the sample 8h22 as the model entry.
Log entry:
11h13
